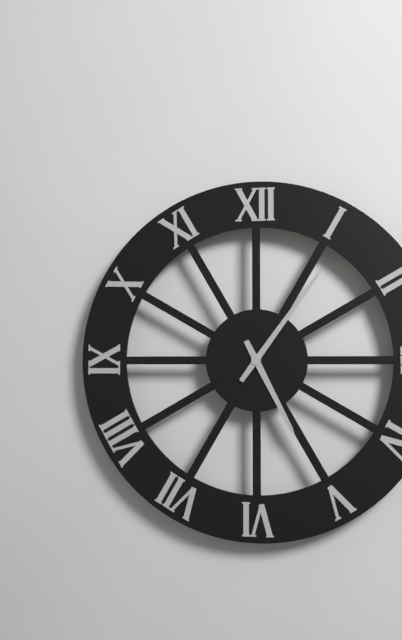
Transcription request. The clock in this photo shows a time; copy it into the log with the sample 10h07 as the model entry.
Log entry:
5h06
